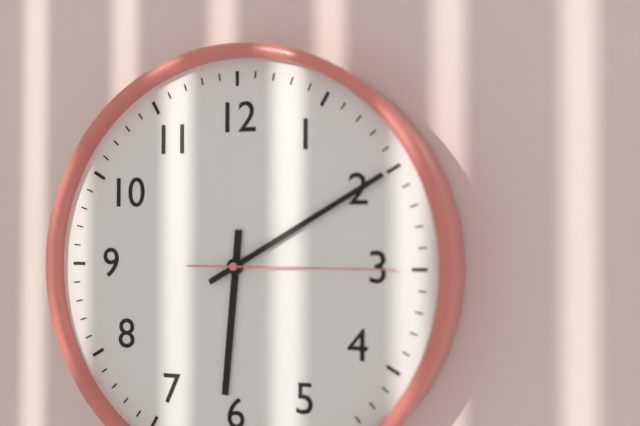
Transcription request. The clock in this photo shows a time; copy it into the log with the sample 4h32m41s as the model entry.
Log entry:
6h10m15s
